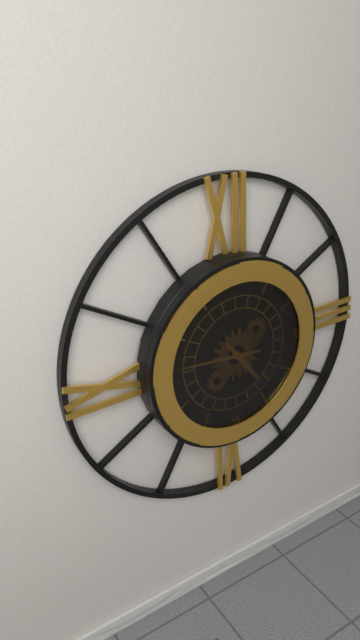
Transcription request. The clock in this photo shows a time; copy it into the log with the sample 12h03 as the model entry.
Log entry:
4h46
